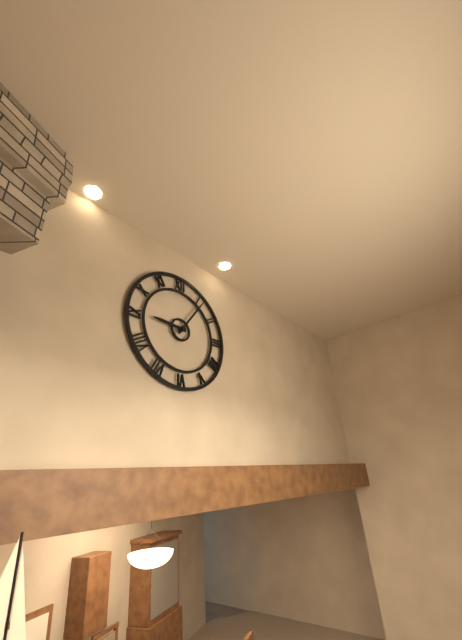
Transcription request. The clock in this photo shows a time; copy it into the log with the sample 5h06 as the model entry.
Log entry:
9h06
